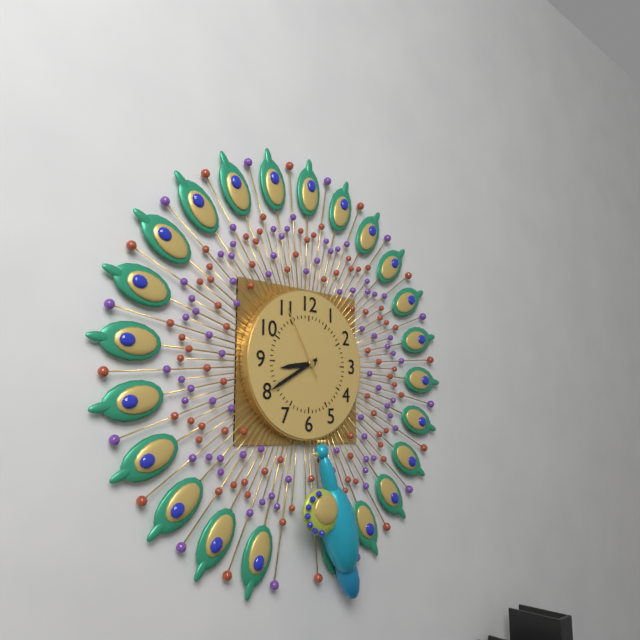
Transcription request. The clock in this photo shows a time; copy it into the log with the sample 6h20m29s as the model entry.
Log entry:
8h40m55s
